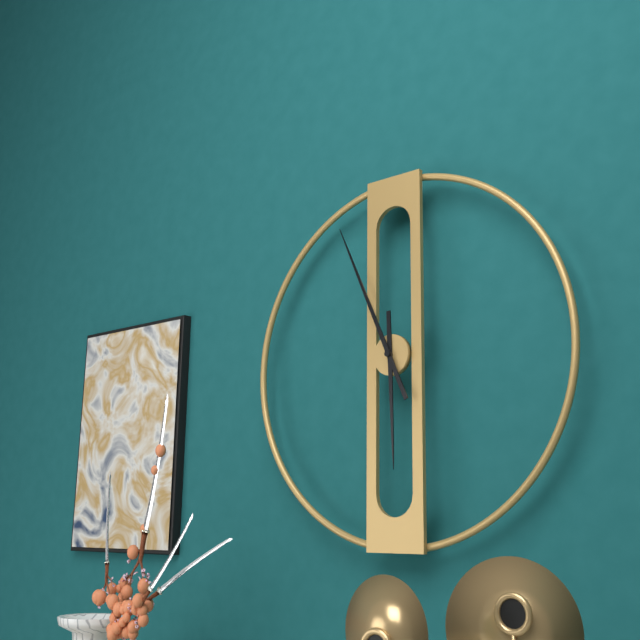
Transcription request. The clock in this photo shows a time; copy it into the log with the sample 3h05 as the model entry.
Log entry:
5h56
